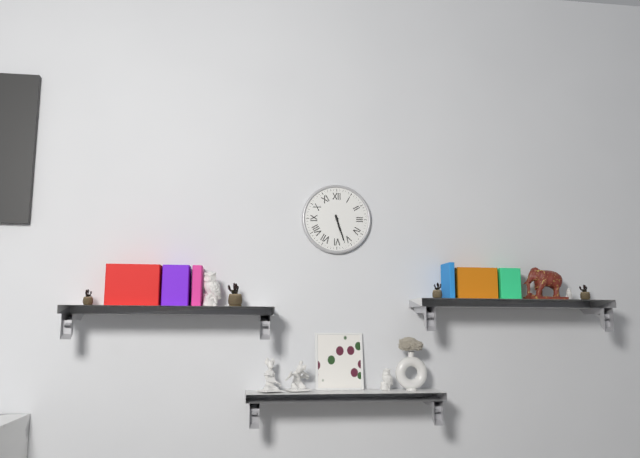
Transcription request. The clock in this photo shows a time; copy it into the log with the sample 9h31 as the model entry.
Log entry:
5h27
